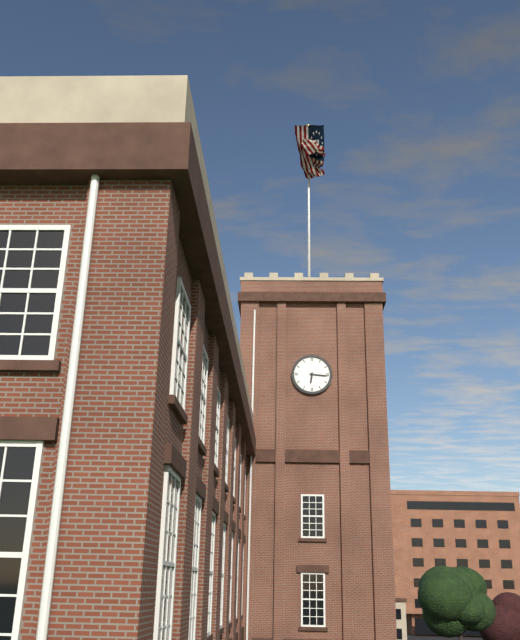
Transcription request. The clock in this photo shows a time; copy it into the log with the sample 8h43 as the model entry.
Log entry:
6h16
